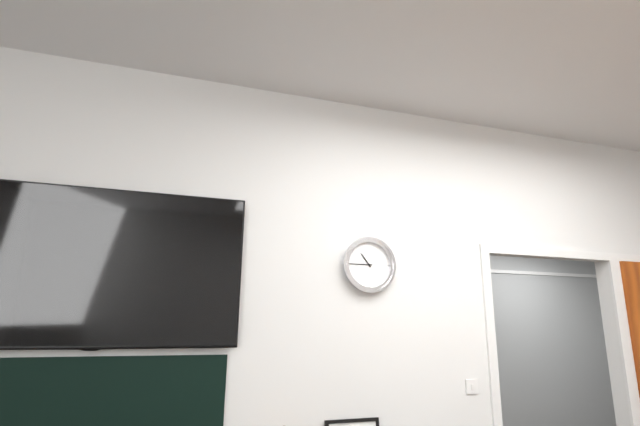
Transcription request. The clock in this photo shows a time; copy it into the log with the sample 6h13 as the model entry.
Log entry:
10h45
